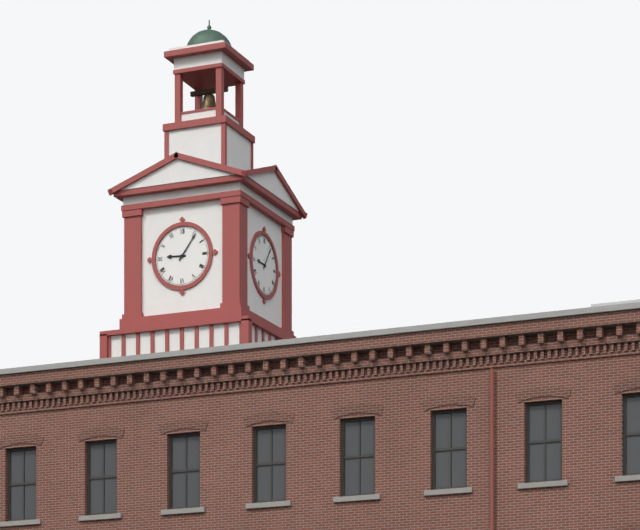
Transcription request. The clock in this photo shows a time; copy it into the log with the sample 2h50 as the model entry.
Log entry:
9h06
